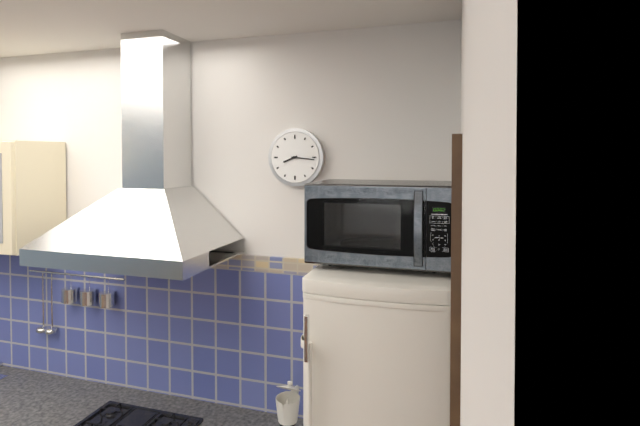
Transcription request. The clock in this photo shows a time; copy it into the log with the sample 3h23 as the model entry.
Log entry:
8h16
